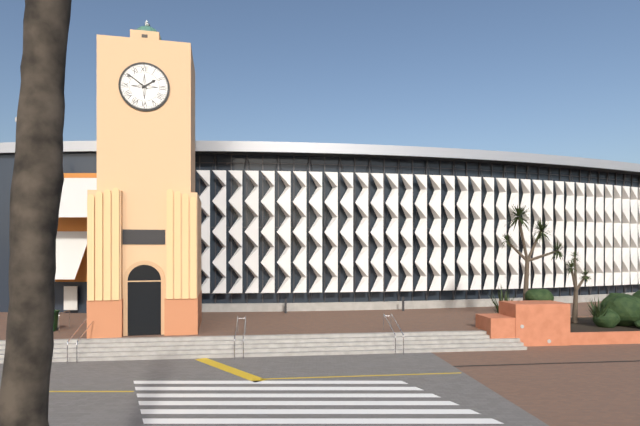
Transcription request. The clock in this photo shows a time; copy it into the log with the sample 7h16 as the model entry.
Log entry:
1h51
